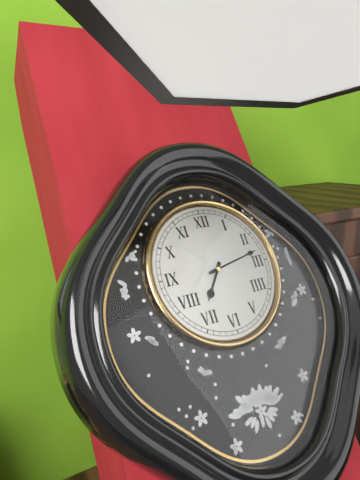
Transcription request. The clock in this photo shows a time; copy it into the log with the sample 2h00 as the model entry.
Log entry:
7h13
